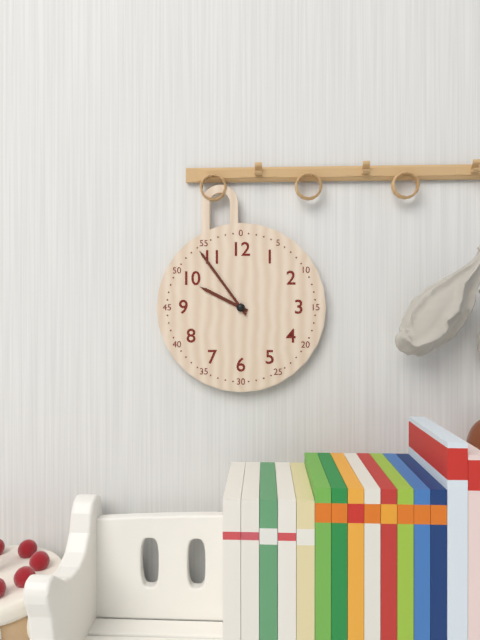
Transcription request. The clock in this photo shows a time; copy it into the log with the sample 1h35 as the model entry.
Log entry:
9h54
